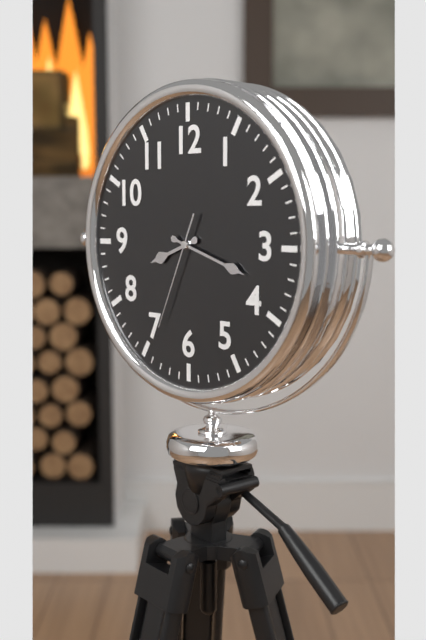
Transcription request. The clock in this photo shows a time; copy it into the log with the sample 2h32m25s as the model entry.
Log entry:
8h18m34s
